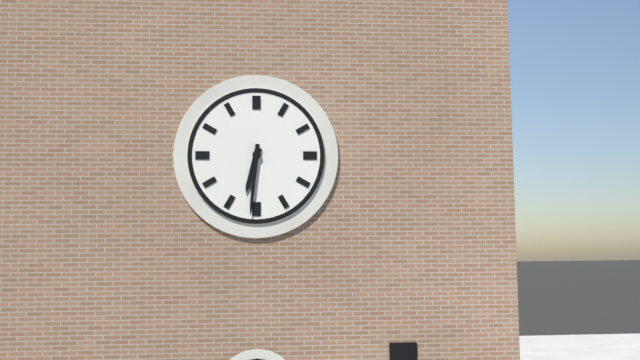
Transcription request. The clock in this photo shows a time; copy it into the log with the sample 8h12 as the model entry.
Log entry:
6h31
